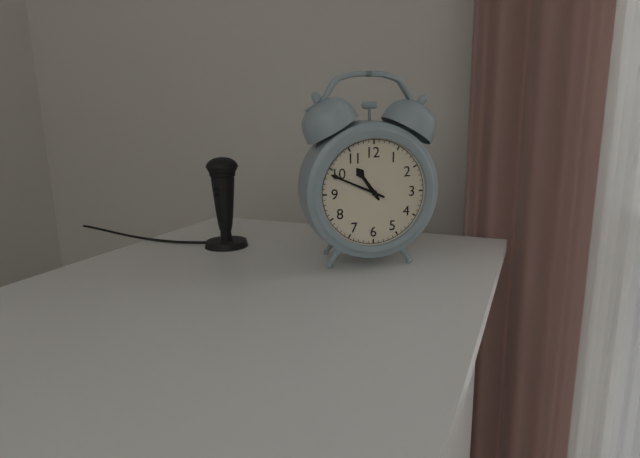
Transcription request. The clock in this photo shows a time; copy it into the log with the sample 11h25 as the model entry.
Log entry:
10h49
